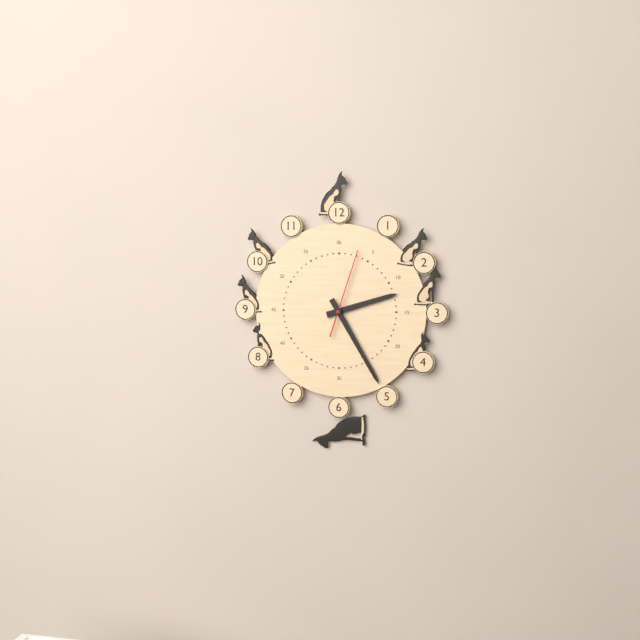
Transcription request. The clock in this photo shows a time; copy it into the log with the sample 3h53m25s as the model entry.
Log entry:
2h25m03s
